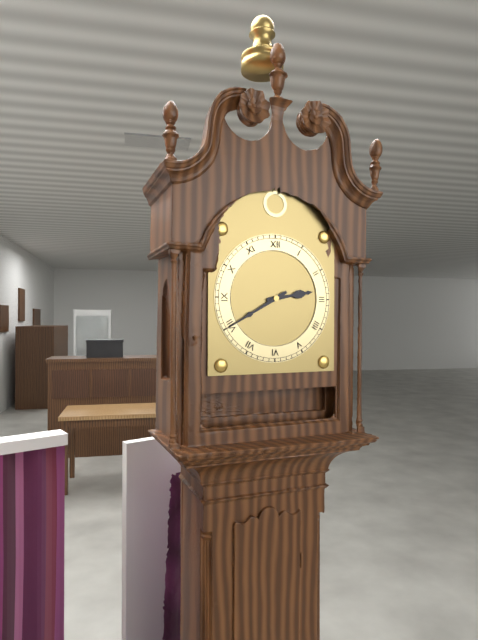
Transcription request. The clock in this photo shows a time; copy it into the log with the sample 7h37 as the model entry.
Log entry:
2h40
